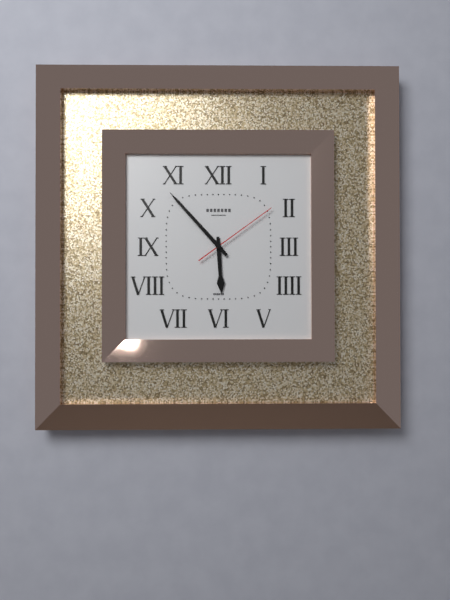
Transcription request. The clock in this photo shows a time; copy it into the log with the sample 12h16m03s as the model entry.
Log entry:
5h53m09s
